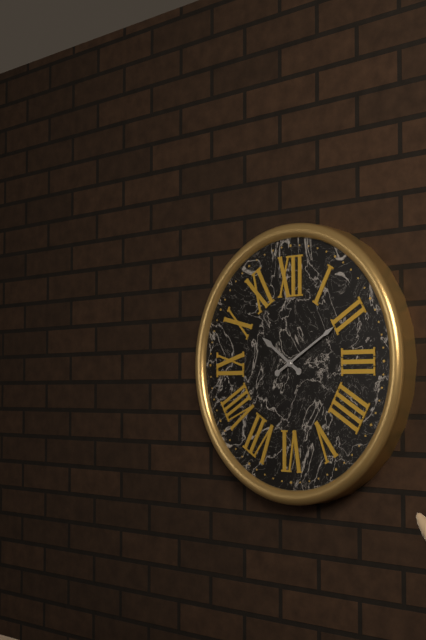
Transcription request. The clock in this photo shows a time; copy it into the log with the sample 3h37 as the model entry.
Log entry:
10h10
